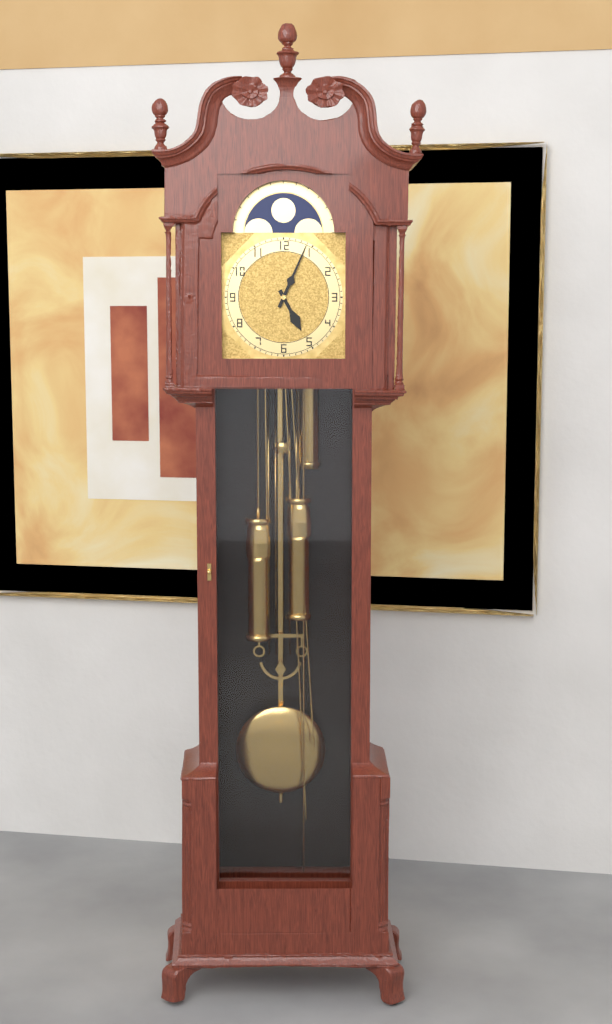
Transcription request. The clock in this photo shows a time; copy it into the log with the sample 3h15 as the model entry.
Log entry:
5h04
